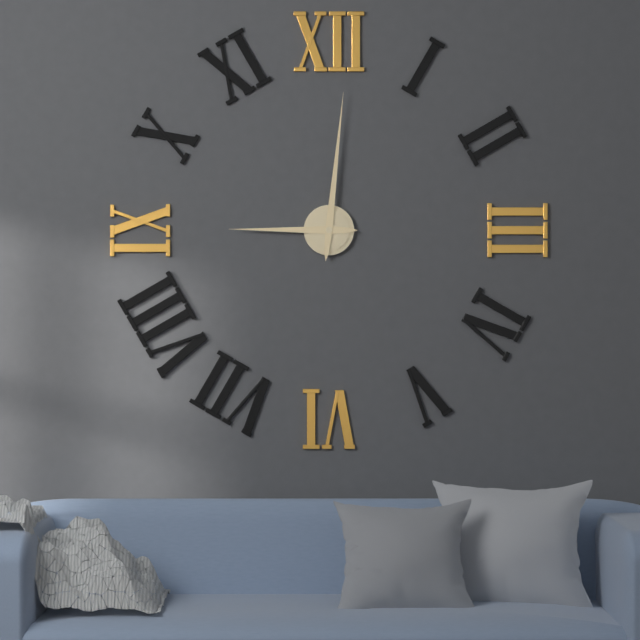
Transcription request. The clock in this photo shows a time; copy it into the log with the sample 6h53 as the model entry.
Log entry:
9h01
